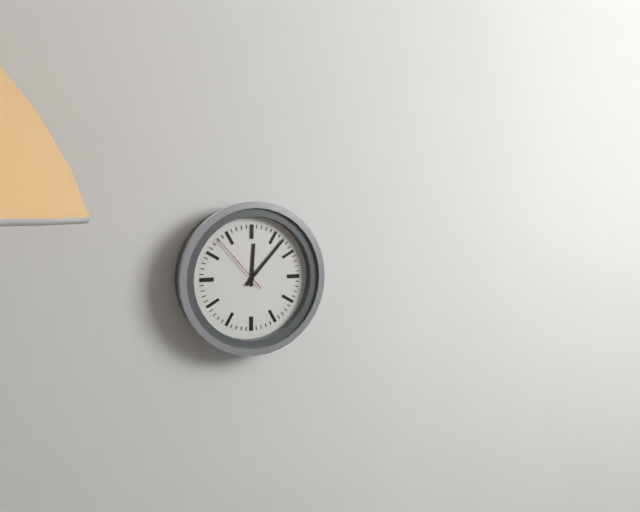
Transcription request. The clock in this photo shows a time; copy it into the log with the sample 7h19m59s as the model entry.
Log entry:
12h07m53s
